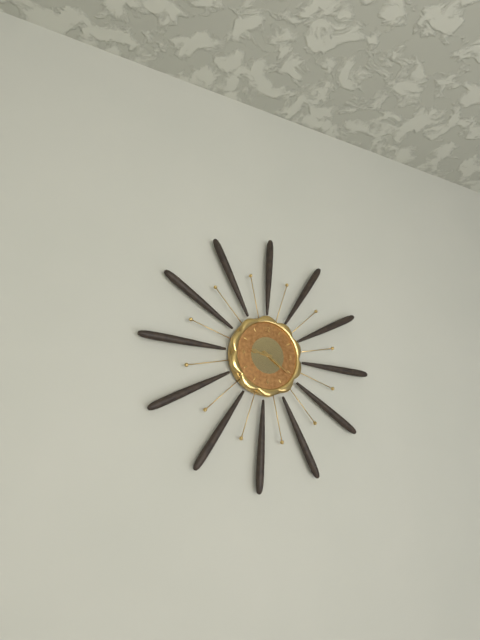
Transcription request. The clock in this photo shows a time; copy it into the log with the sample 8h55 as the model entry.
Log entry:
9h21
